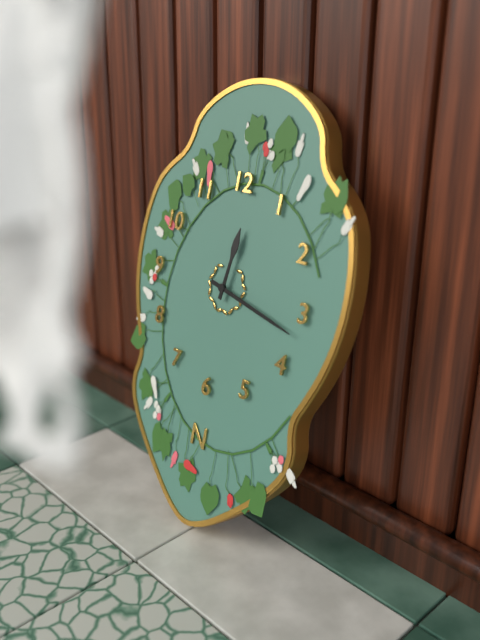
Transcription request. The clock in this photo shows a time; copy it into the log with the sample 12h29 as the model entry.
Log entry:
12h17
